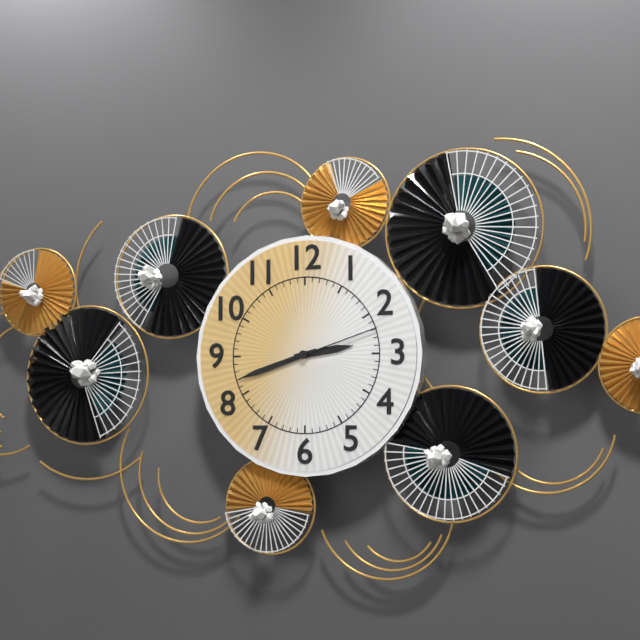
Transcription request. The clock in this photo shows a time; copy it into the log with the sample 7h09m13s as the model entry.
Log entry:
2h42m12s
